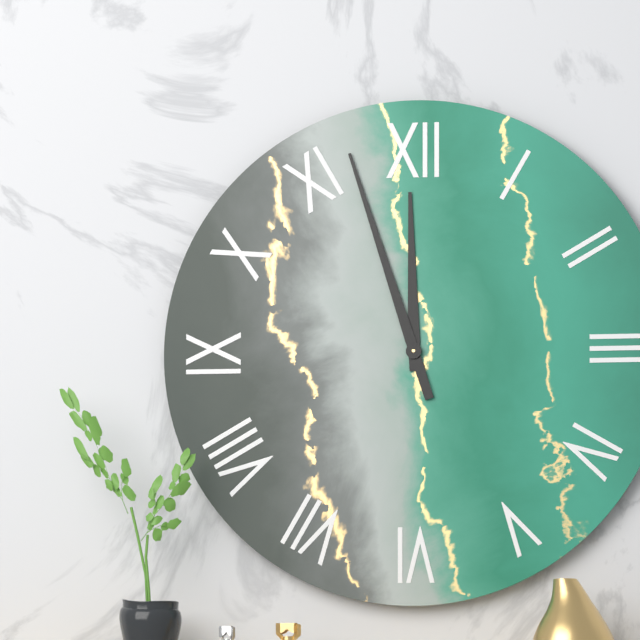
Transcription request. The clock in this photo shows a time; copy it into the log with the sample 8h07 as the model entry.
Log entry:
11h57
